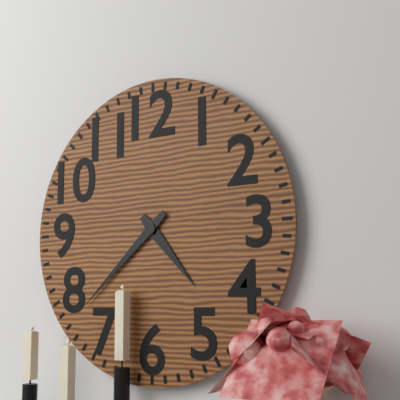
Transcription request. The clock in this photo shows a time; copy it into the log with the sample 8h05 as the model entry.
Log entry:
4h38
